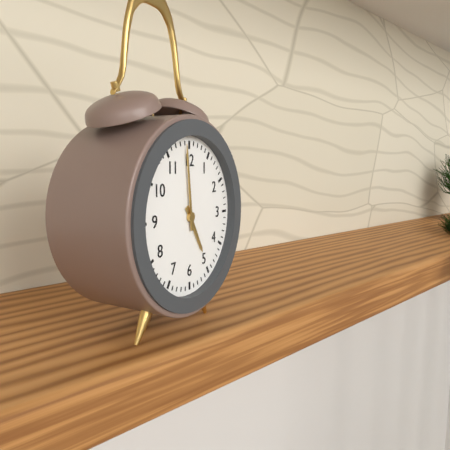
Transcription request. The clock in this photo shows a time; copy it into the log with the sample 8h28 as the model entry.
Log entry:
4h59
